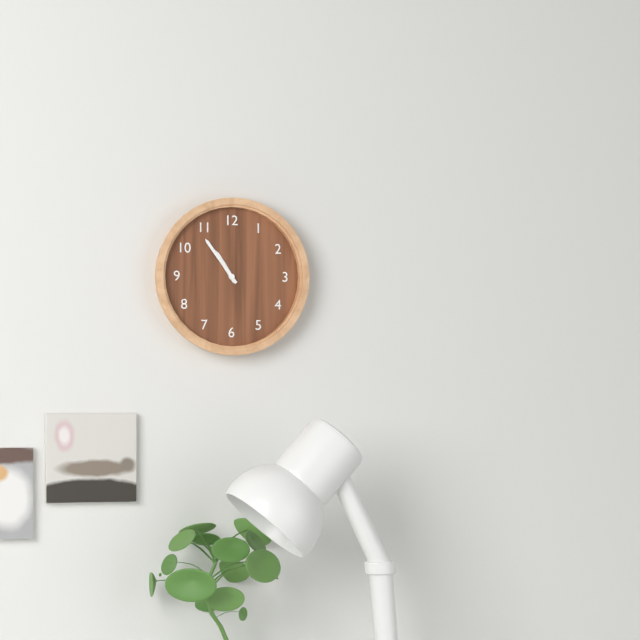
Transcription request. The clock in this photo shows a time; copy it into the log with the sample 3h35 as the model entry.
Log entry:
10h54
